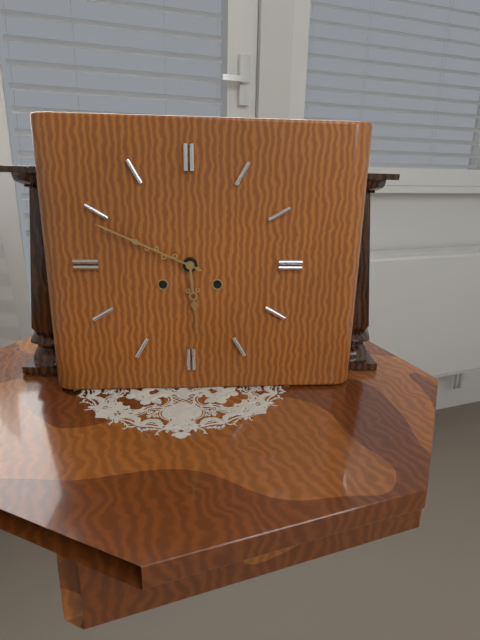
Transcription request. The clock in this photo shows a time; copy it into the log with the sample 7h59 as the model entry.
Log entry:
5h49
